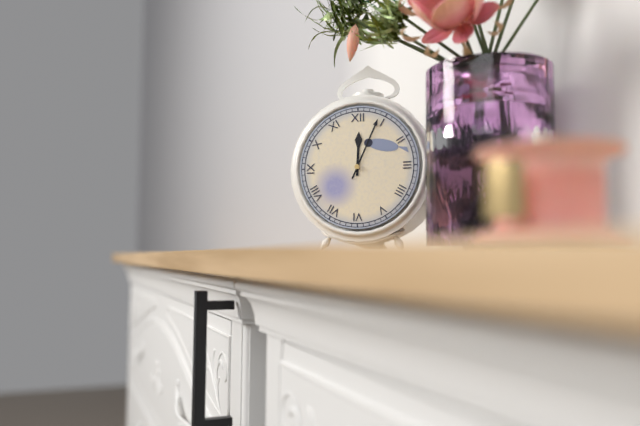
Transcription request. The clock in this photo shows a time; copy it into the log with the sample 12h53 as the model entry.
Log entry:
12h04
